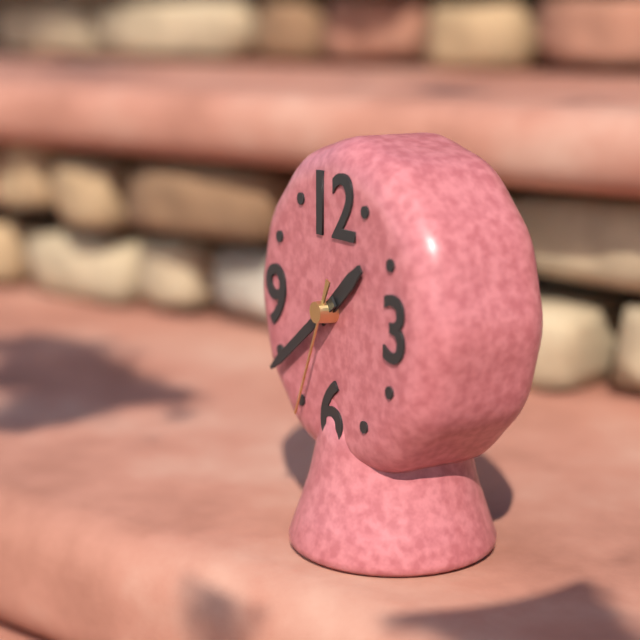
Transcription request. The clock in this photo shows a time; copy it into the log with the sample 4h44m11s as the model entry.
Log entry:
1h39m34s
